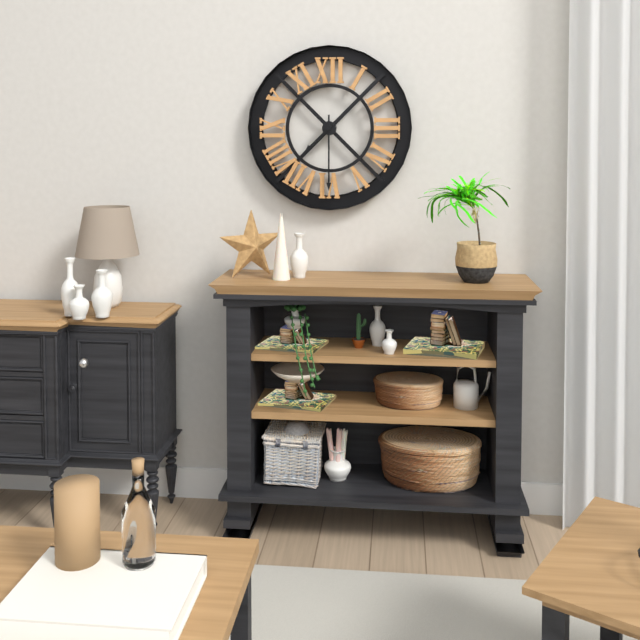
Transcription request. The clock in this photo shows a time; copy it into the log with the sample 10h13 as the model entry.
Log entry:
7h30
